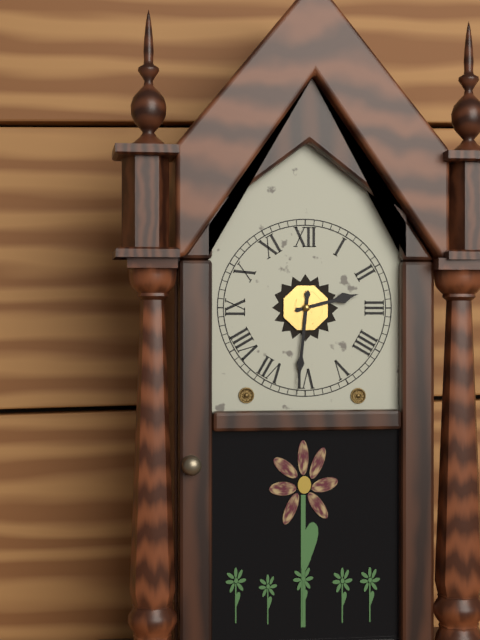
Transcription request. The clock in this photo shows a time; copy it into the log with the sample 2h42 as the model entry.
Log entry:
2h31
